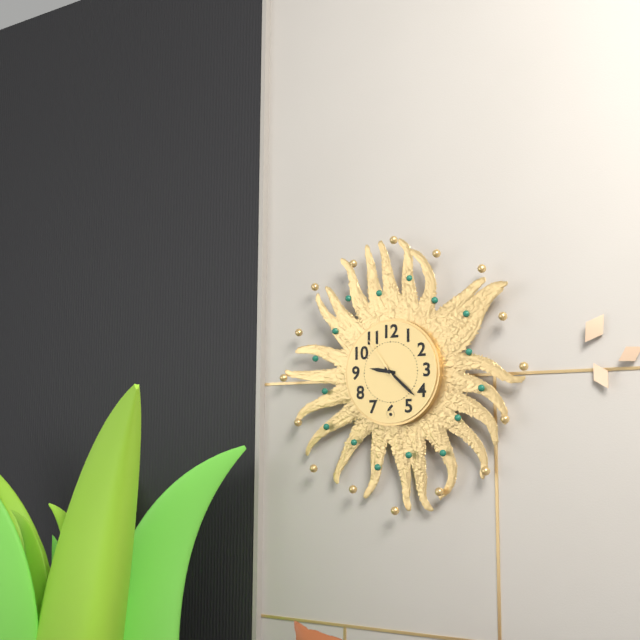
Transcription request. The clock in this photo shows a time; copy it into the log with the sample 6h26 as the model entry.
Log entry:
9h22
